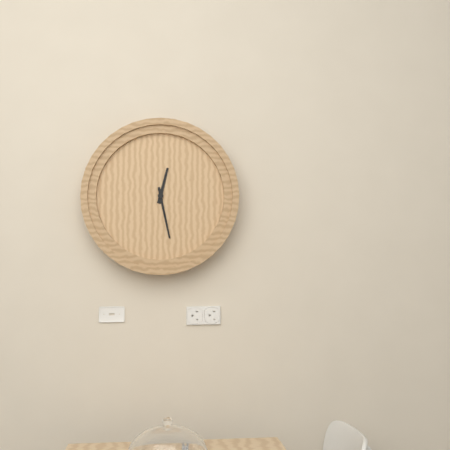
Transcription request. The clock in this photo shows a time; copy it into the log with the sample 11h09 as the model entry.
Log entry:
12h28
